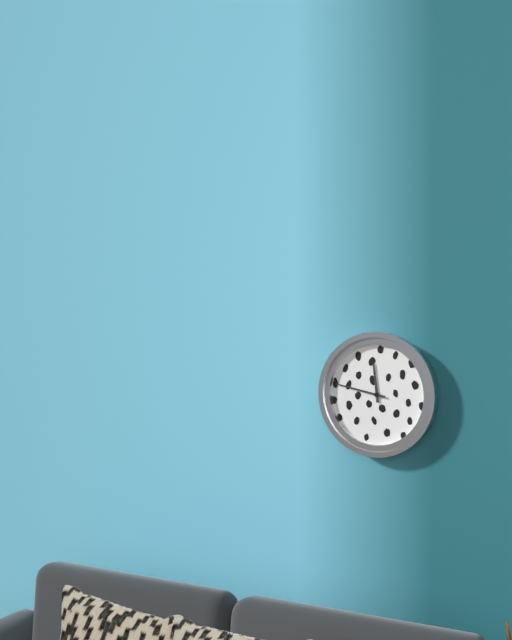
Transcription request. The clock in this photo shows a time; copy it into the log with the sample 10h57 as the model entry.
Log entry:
11h47
